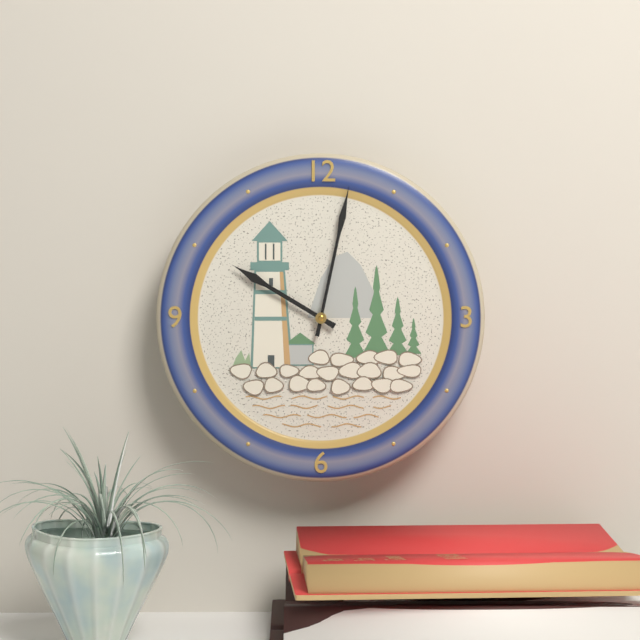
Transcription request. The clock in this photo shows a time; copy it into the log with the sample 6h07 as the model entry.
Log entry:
10h02
